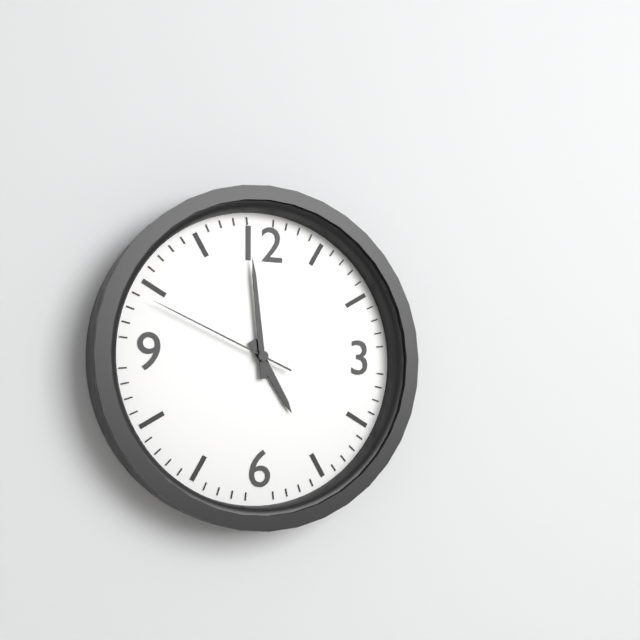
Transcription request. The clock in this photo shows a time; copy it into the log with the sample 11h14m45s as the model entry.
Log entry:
4h59m49s
